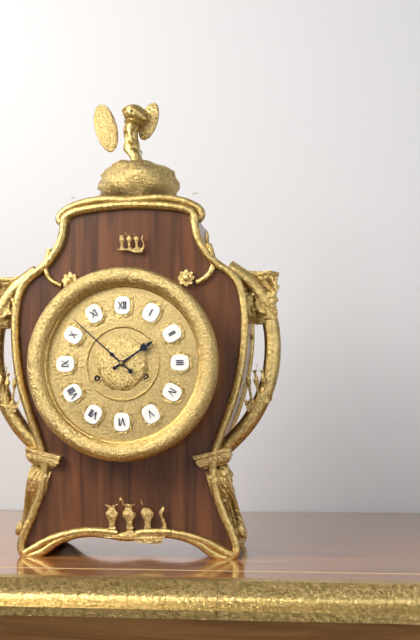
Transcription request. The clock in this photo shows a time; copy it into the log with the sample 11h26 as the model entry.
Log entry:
1h52
